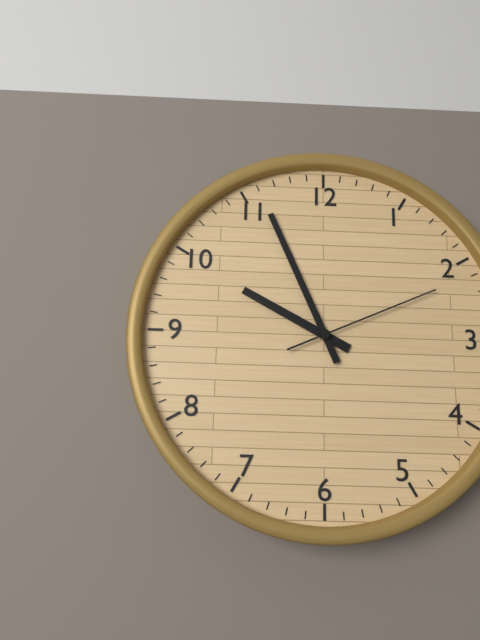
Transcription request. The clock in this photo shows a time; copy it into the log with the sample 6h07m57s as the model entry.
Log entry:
9h56m11s
